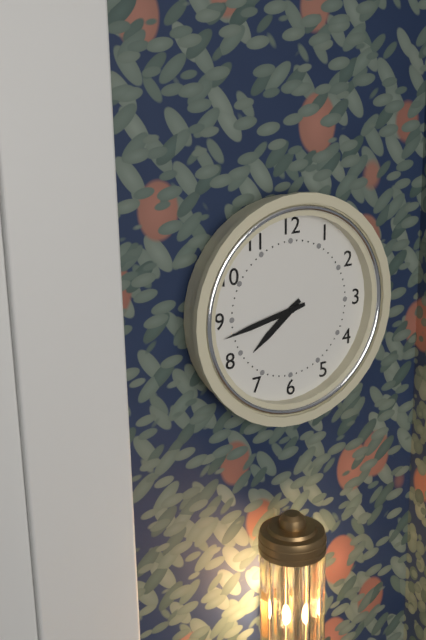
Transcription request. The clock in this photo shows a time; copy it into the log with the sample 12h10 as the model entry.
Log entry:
7h43
